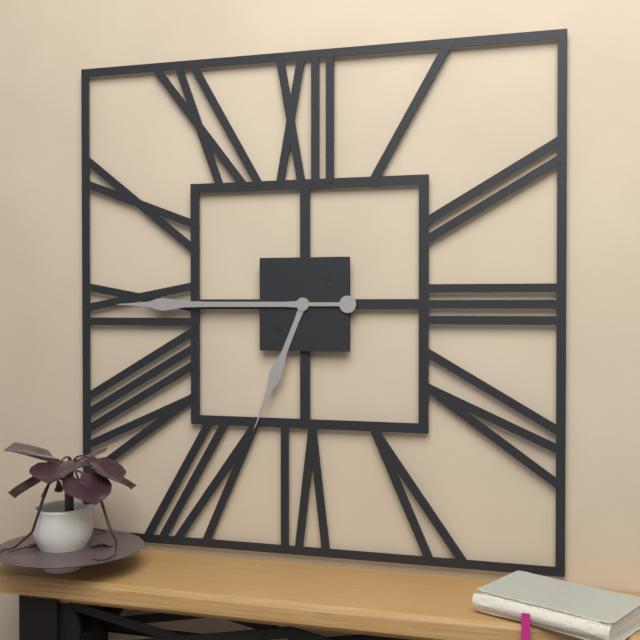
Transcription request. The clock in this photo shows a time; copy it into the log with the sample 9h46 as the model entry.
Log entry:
6h45
